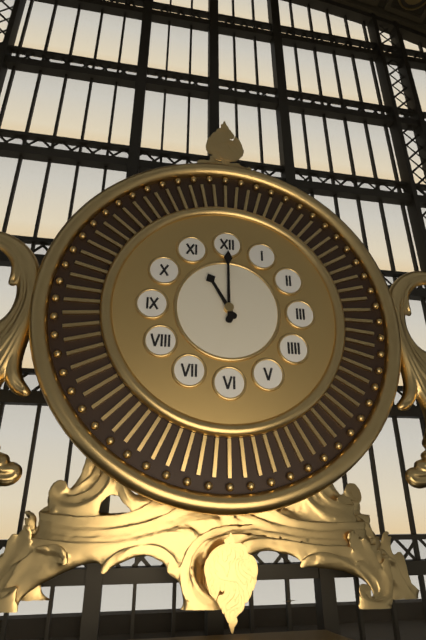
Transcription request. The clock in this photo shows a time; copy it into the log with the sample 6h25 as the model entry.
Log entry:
11h00
